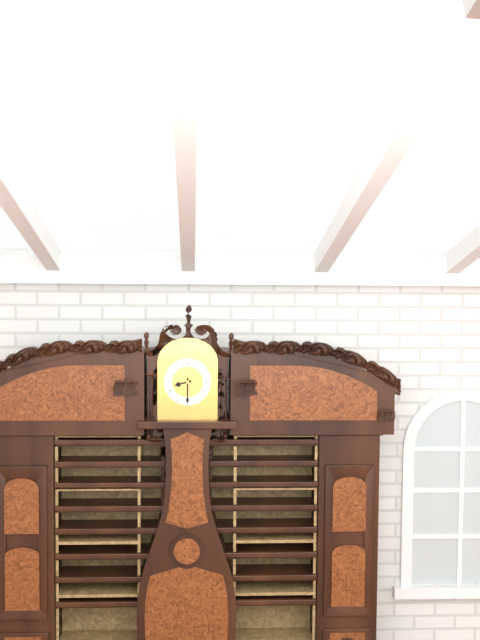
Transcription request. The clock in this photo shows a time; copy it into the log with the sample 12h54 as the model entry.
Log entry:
8h30
